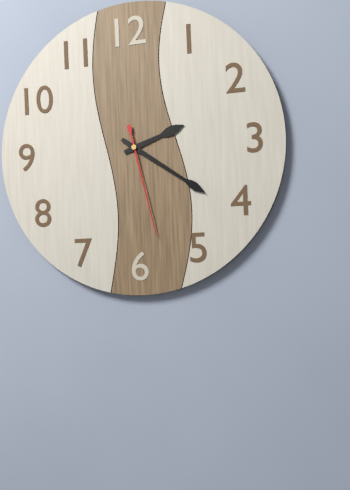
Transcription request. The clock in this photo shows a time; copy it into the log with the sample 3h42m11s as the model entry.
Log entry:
2h21m28s
